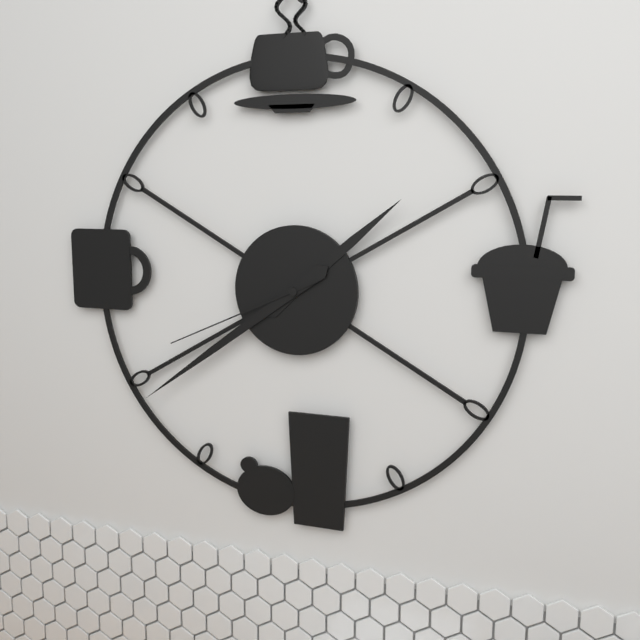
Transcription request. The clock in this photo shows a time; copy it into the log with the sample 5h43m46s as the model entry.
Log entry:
1h39m41s
